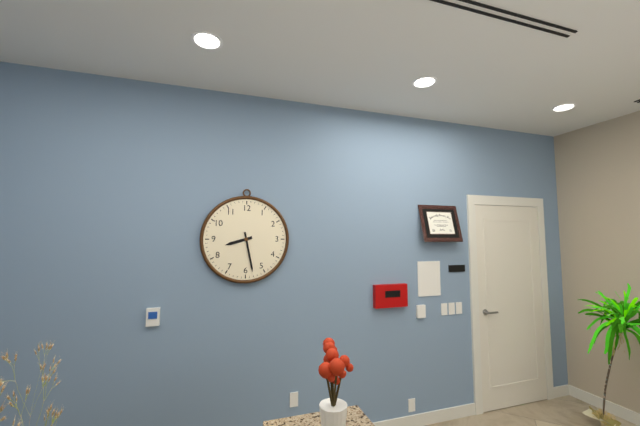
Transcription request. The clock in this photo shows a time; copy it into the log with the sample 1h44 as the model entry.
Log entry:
8h28
